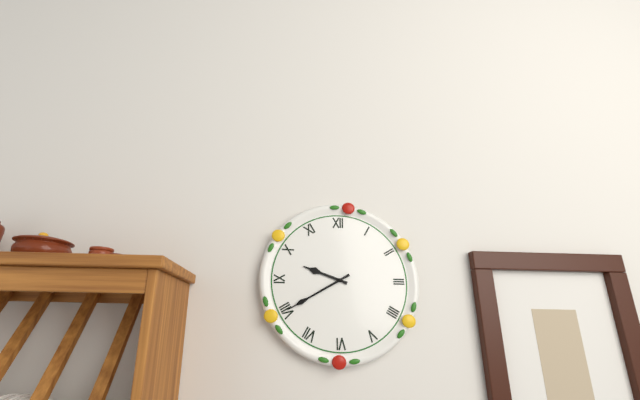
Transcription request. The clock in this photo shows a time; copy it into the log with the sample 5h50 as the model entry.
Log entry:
9h40
